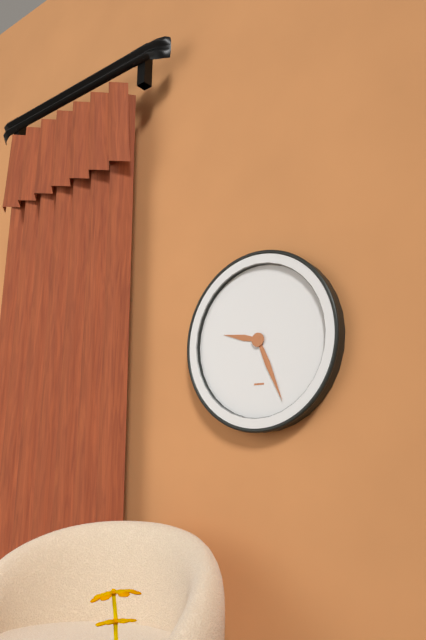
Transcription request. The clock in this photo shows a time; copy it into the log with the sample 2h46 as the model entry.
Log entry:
9h26
